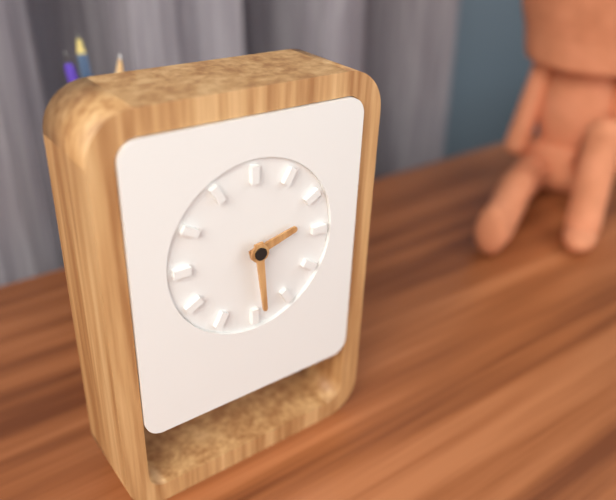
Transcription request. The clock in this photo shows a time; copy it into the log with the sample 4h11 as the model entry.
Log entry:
2h29
